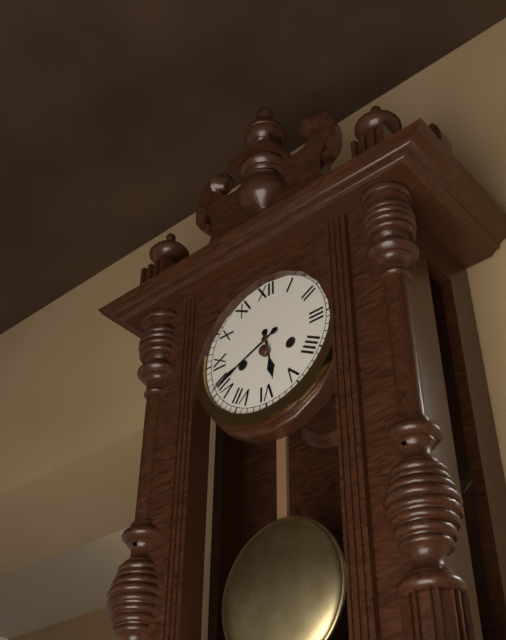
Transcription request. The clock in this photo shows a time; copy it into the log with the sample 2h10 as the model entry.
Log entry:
5h41
